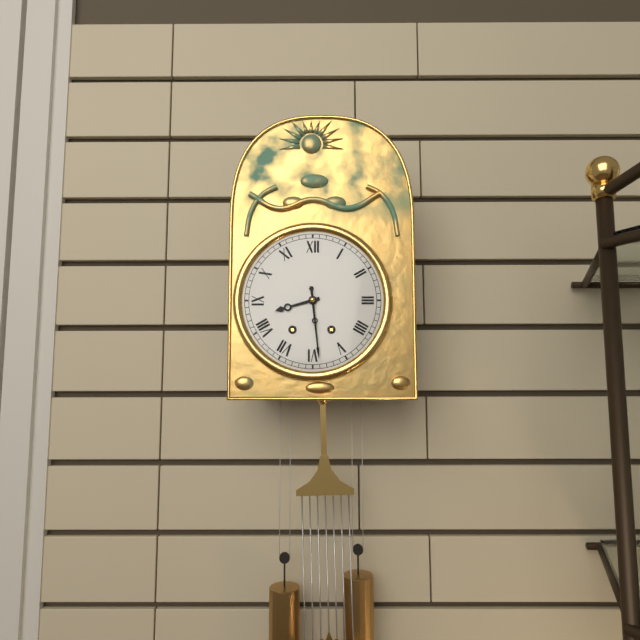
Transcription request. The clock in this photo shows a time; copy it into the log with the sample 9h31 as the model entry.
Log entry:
8h29
